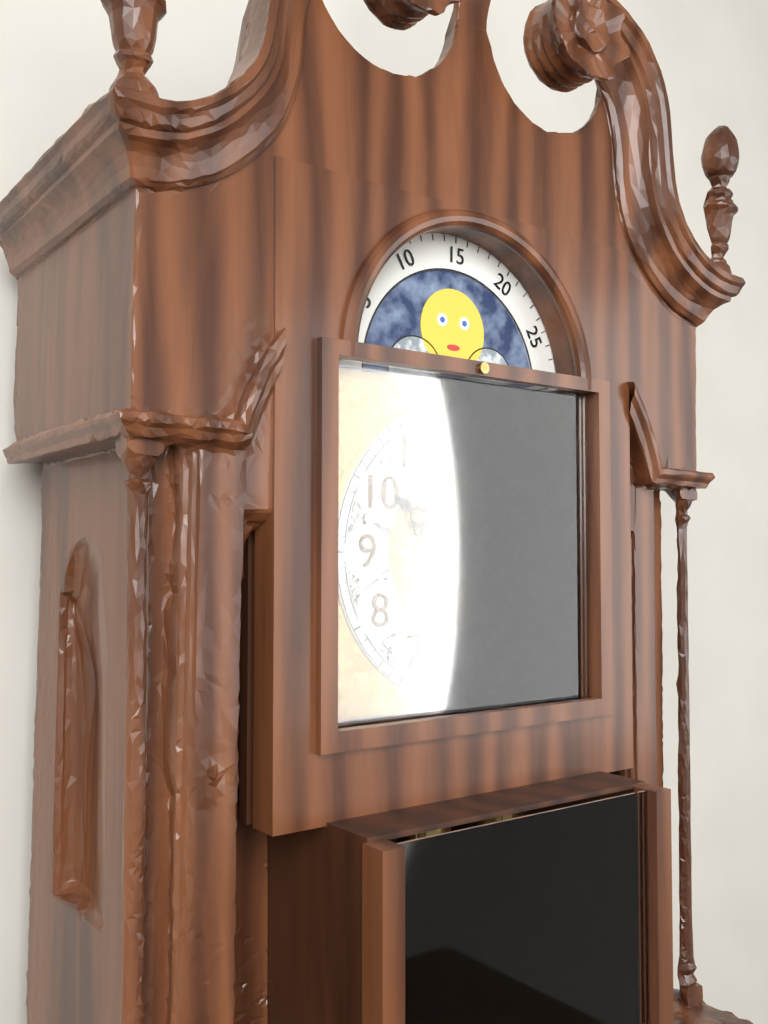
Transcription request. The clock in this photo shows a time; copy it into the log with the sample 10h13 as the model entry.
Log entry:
10h07
